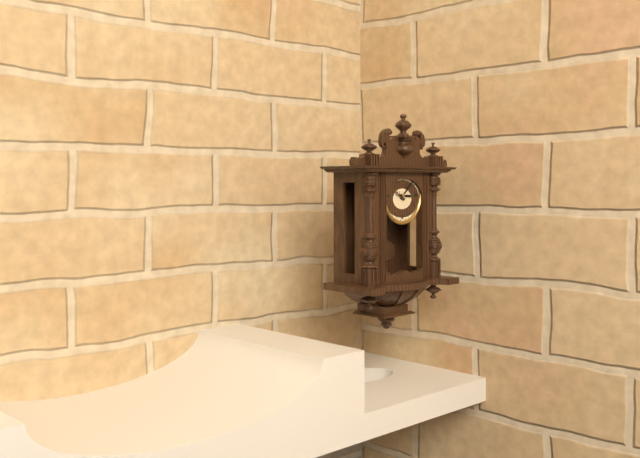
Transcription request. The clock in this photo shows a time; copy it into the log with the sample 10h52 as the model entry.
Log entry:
3h08
